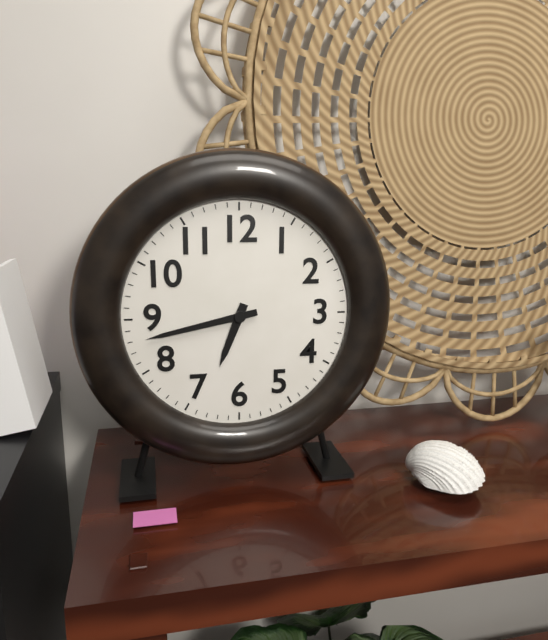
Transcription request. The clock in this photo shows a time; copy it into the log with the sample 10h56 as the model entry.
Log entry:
6h43
